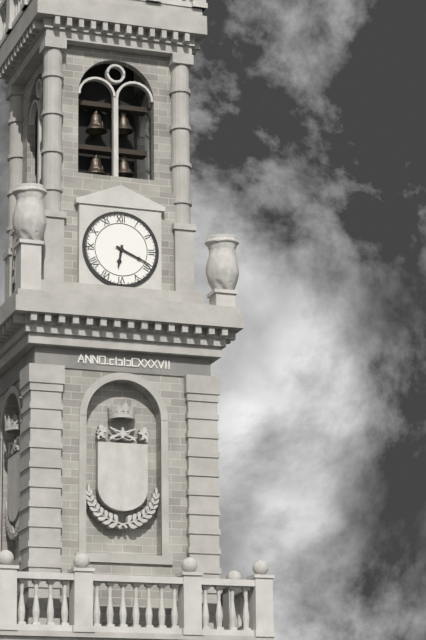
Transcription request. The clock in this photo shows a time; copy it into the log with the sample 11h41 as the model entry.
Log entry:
6h19
